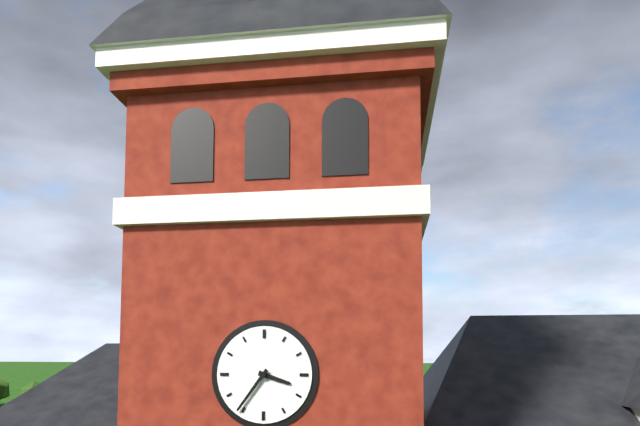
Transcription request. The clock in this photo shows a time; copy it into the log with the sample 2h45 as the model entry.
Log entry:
3h36
